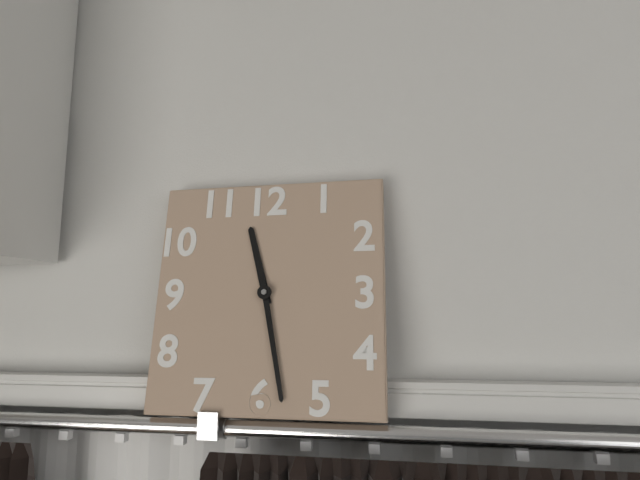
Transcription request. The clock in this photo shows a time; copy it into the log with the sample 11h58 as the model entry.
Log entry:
11h28
